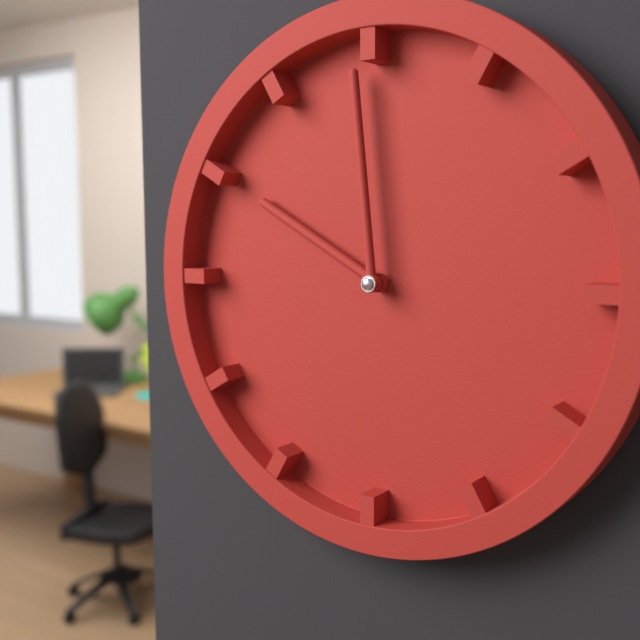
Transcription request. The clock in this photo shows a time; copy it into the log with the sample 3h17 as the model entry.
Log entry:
9h59
